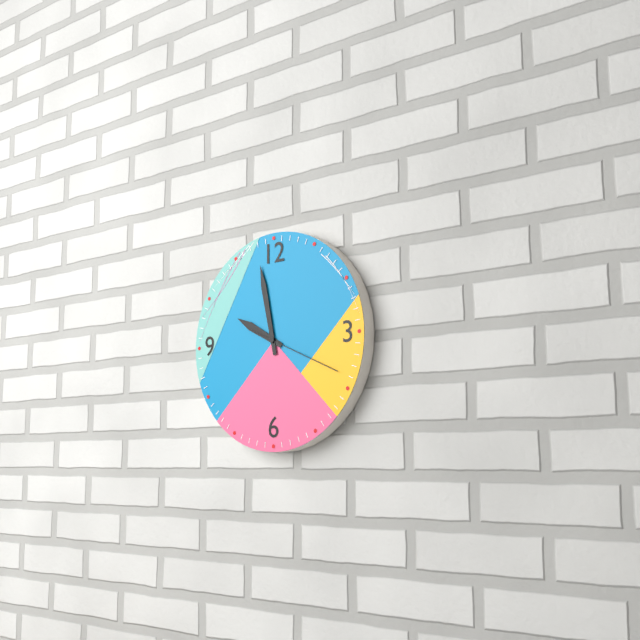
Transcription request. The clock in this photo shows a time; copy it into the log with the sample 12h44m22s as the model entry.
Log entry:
9h58m19s
